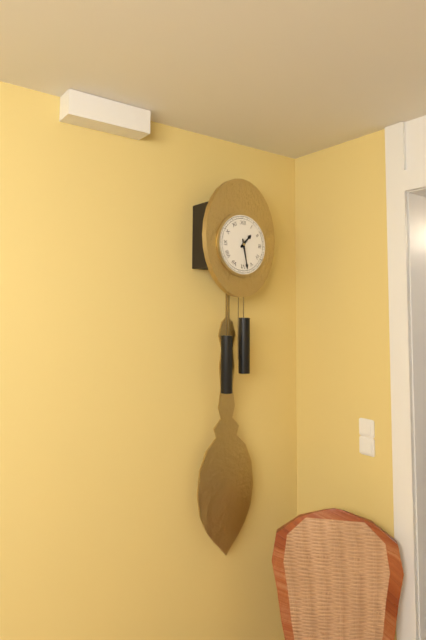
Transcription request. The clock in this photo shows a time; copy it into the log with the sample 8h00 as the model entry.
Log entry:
1h28
